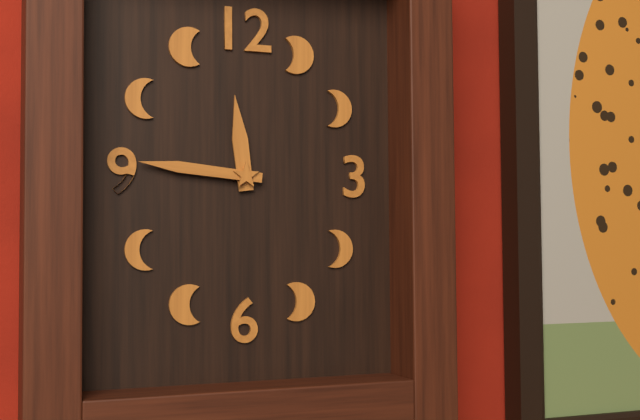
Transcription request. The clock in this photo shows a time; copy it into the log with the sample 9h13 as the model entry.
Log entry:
11h46
